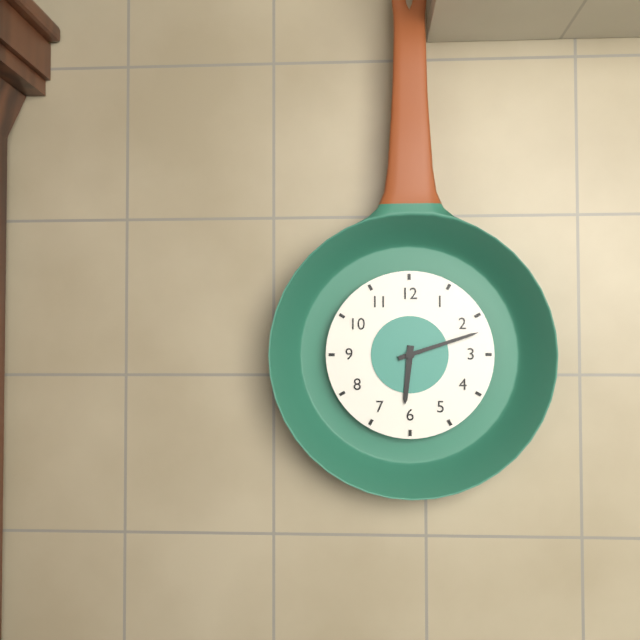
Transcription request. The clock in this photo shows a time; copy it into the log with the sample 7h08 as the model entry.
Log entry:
6h12
